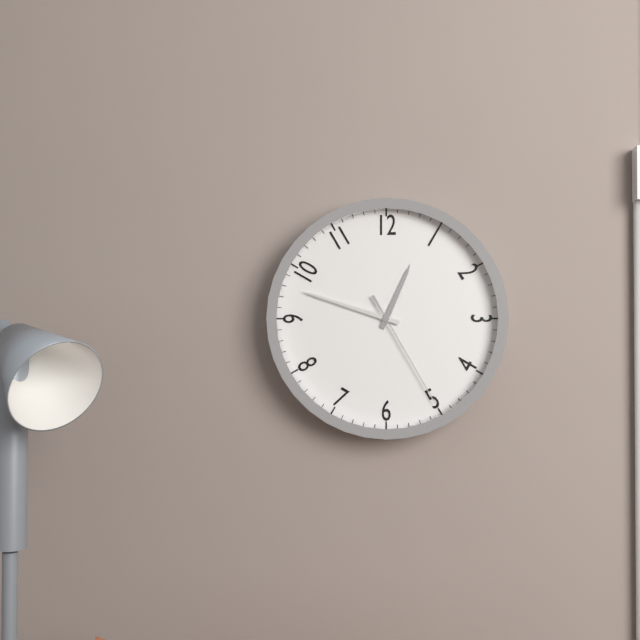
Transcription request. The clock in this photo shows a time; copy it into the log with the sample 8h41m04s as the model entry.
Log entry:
12h48m25s
